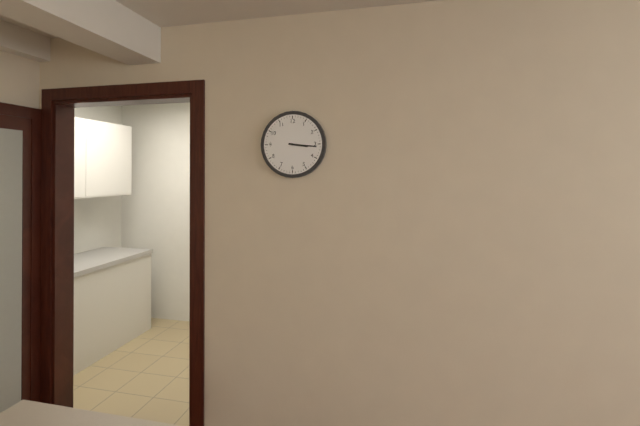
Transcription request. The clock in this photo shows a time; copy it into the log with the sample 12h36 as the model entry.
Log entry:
3h16
